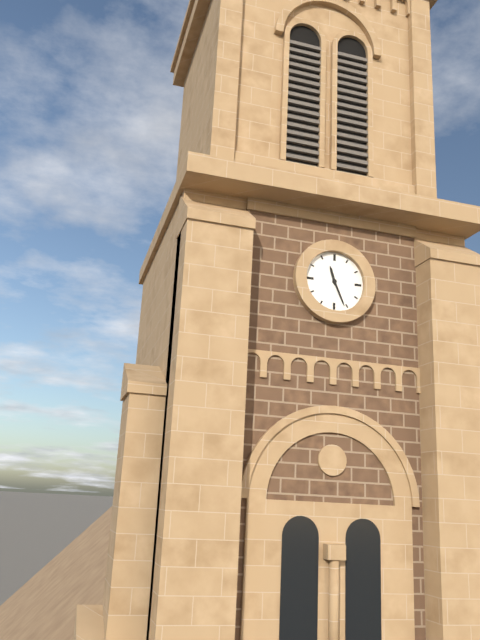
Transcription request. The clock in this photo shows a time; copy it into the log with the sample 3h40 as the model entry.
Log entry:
11h26
